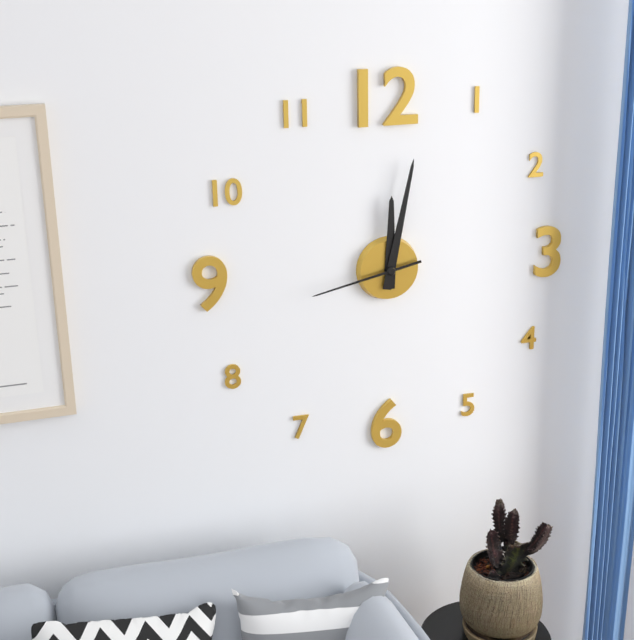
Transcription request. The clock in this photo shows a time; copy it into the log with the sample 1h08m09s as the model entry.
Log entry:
12h02m43s
